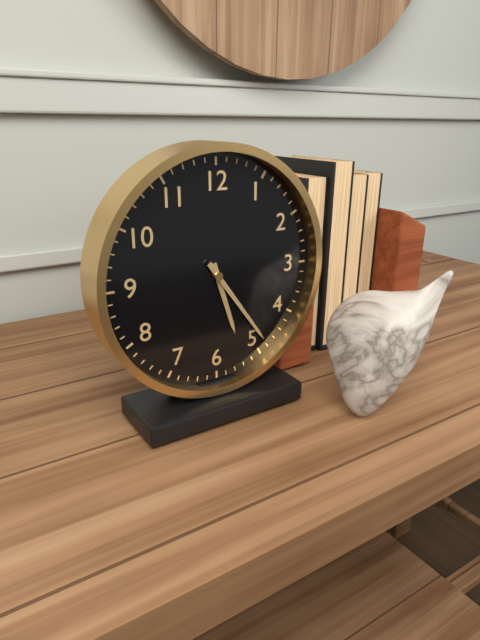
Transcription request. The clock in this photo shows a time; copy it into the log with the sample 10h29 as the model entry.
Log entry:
5h24
